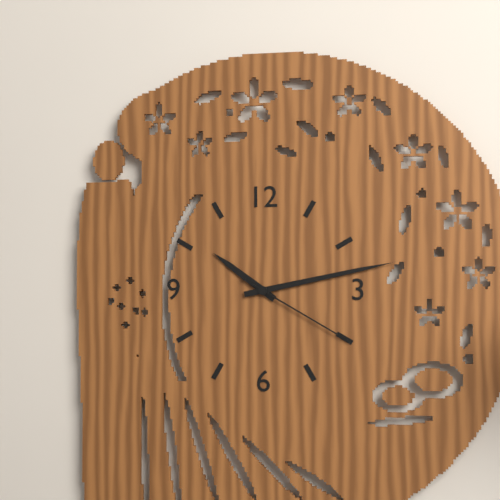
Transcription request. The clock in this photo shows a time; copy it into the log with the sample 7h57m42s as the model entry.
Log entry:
10h13m20s
